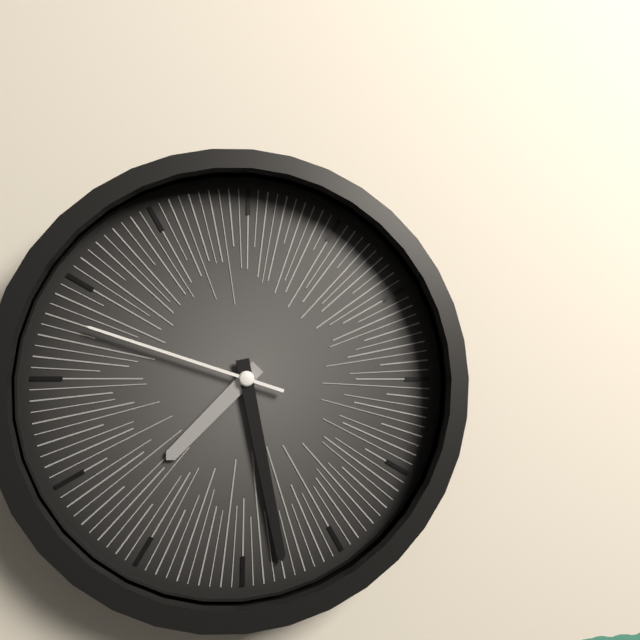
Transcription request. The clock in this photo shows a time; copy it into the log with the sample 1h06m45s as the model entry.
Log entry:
7h28m48s
